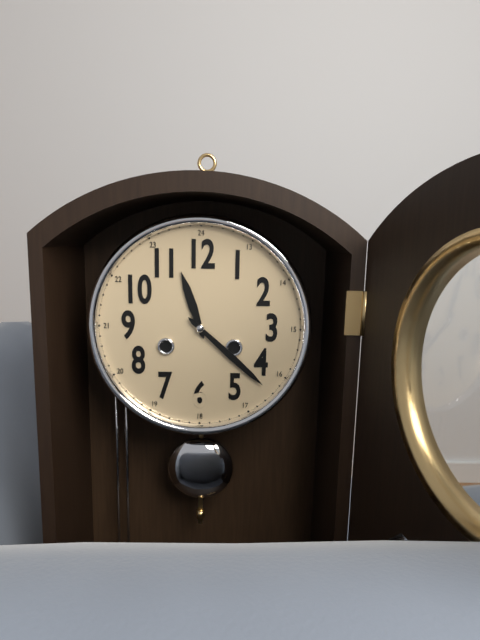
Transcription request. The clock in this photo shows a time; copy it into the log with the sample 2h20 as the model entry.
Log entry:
11h22
